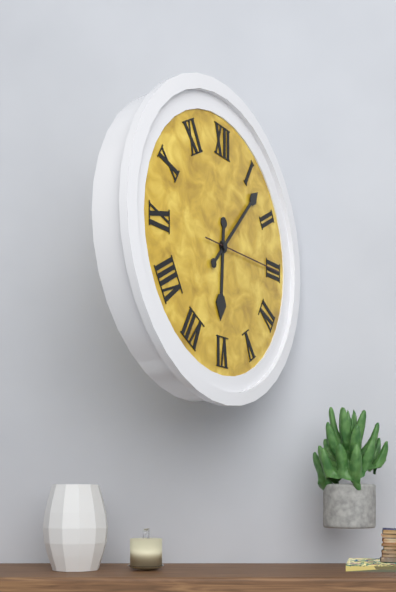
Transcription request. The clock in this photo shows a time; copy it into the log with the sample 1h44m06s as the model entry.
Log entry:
6h07m15s
